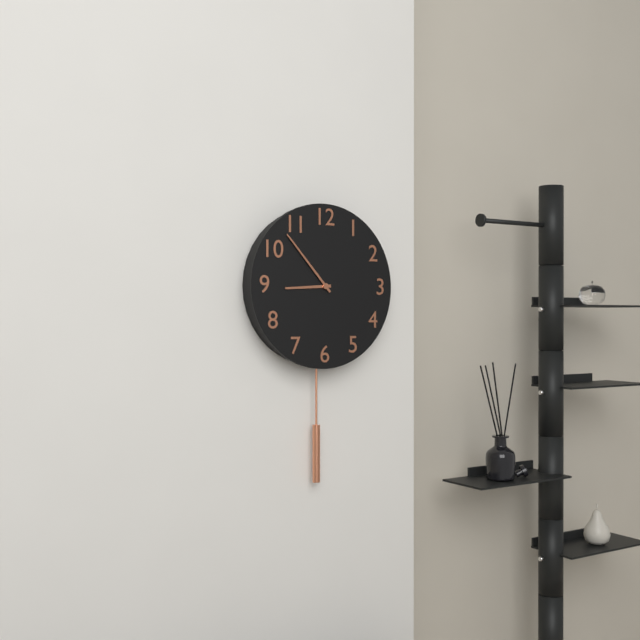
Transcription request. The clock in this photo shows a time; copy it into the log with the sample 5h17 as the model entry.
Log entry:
8h53
